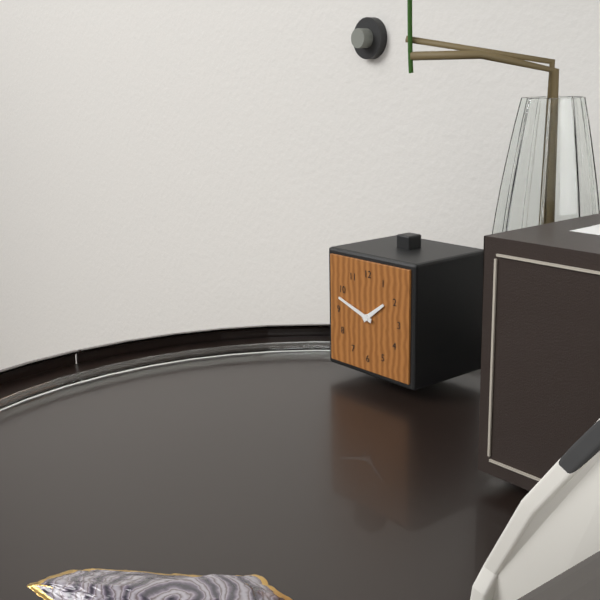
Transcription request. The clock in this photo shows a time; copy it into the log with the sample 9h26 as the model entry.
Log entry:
1h48
